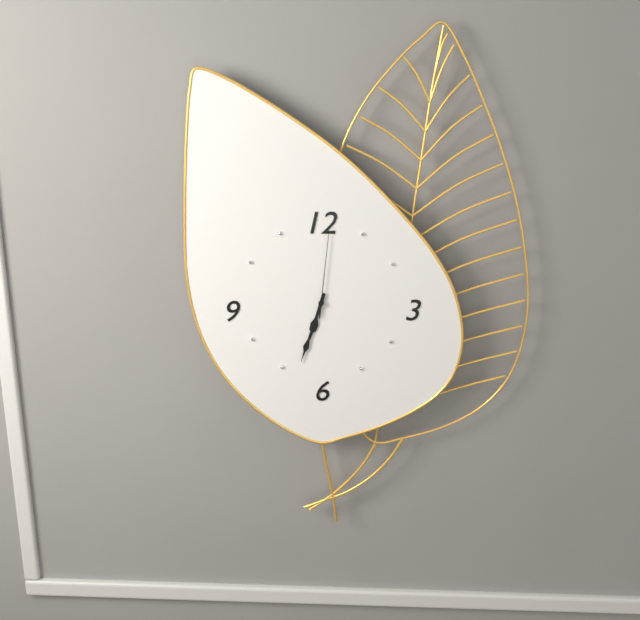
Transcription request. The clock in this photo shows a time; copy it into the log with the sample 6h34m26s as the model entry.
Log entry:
6h33m01s
